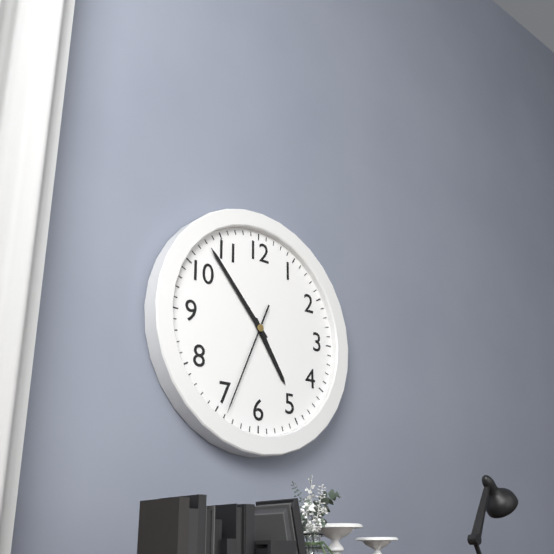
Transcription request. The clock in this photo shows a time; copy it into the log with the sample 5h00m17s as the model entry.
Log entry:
4h53m34s
